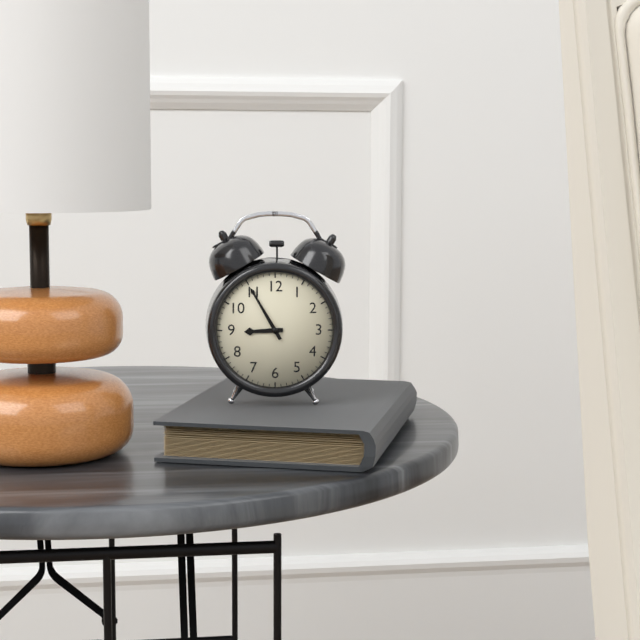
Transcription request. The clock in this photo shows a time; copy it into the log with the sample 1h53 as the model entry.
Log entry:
8h55
